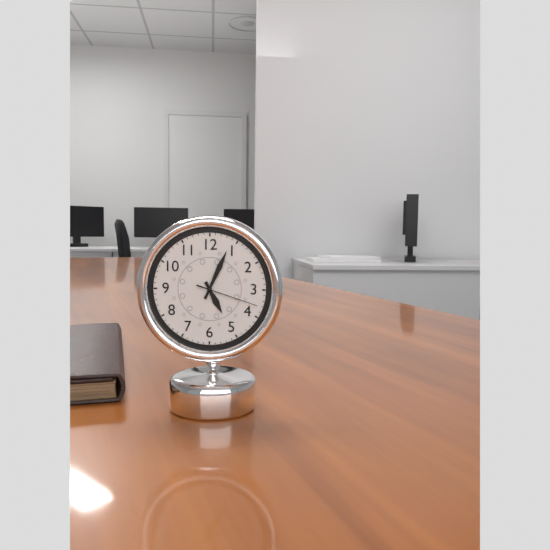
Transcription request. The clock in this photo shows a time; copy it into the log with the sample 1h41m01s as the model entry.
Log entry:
5h04m18s
